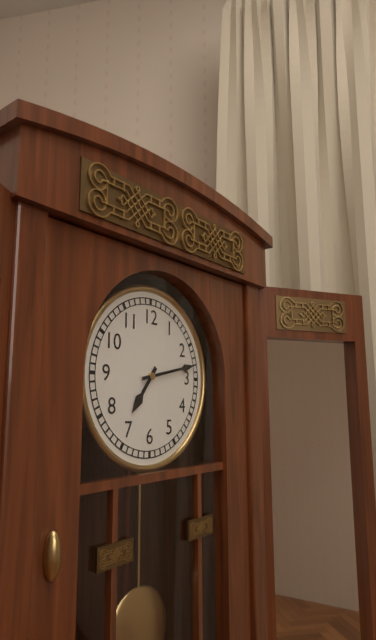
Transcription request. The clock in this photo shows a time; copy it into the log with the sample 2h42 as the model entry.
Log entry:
7h13
